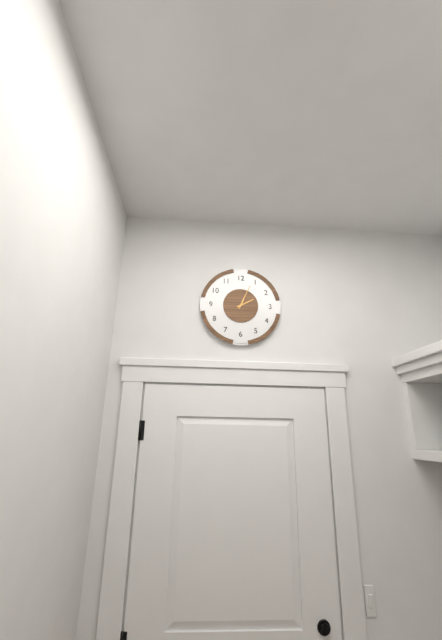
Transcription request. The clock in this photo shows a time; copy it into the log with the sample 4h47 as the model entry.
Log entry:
2h04
